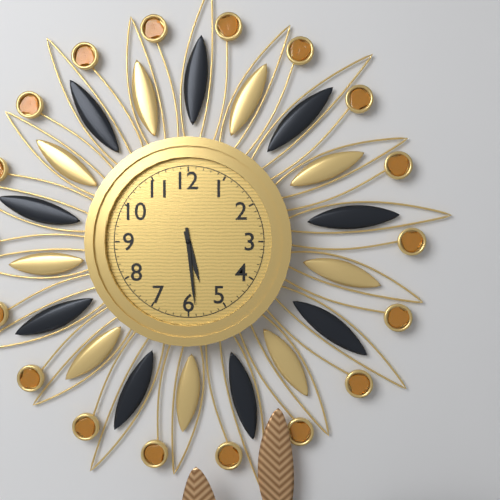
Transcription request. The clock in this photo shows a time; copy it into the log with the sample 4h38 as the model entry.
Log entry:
5h29
